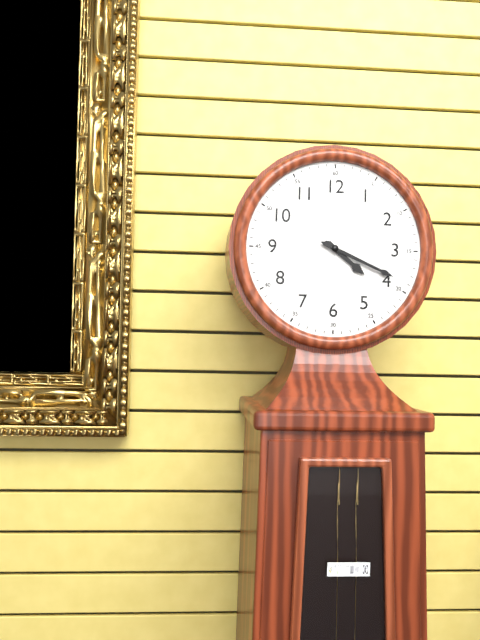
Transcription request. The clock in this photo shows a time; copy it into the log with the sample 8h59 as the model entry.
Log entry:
4h19
